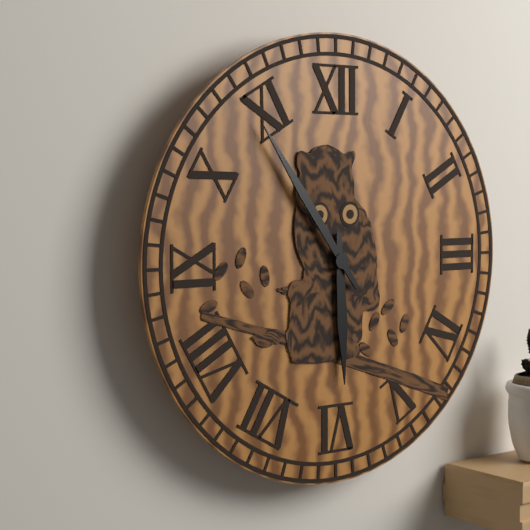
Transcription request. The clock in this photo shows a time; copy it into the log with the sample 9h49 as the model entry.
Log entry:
5h54
